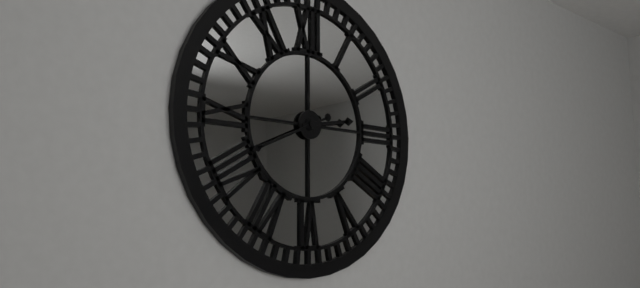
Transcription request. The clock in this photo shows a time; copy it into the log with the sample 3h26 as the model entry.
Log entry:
2h41
